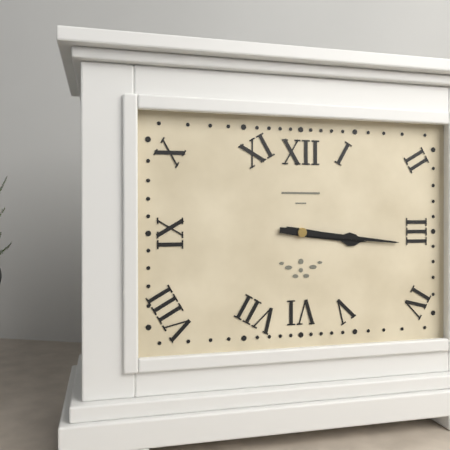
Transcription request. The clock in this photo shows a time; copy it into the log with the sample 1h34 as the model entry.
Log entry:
3h16
